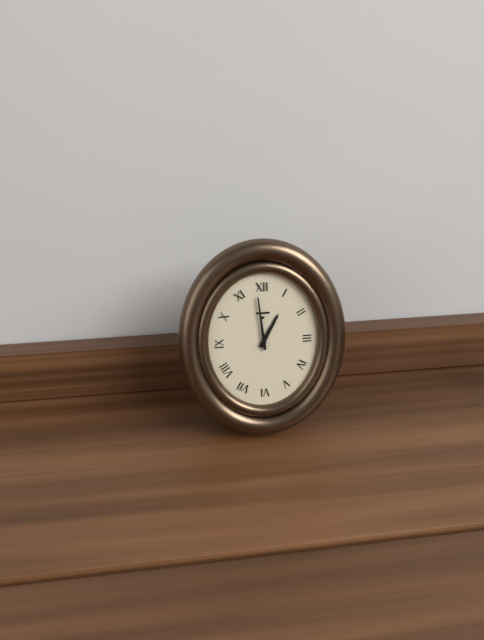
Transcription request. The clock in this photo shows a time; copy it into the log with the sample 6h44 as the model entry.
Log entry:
12h59
